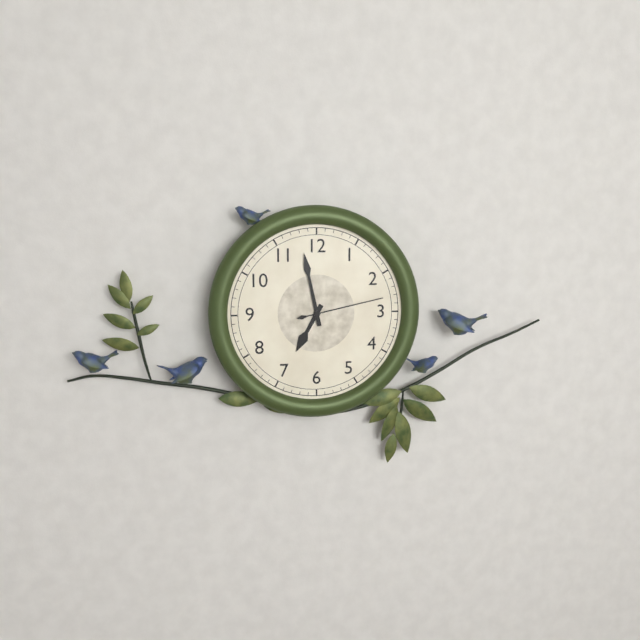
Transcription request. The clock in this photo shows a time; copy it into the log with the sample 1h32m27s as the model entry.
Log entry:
6h58m13s
